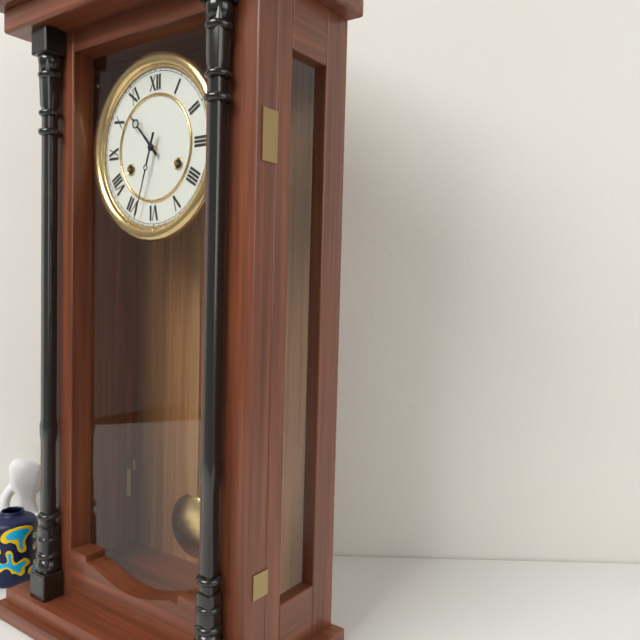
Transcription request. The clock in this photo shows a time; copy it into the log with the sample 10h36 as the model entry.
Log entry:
10h33
